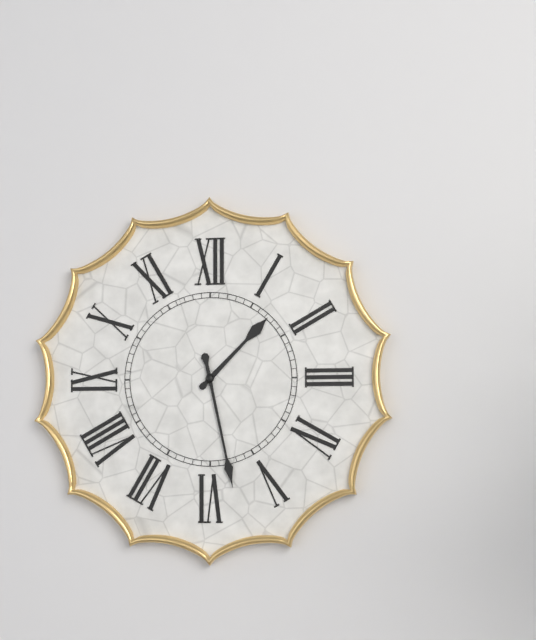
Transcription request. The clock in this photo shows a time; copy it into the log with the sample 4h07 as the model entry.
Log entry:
1h28
